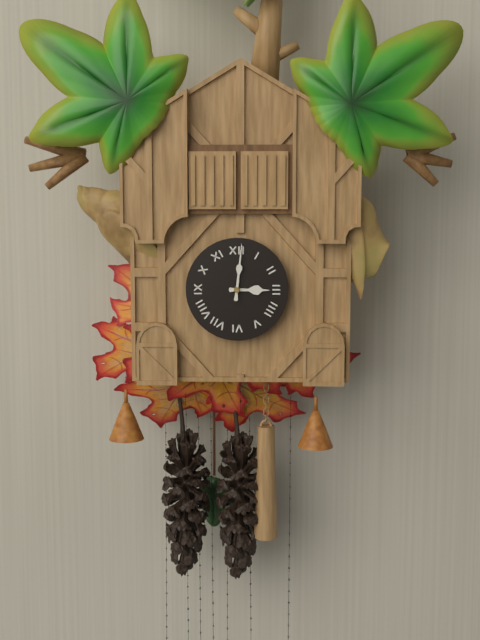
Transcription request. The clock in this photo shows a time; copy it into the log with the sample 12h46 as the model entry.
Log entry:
3h01
